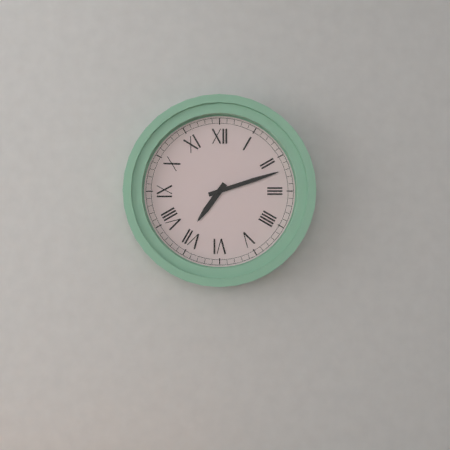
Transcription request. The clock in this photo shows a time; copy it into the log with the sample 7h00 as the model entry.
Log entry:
7h12
